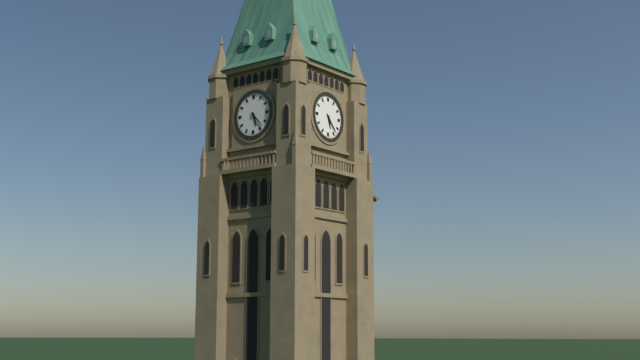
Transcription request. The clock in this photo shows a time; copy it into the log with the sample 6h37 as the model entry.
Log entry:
5h23
